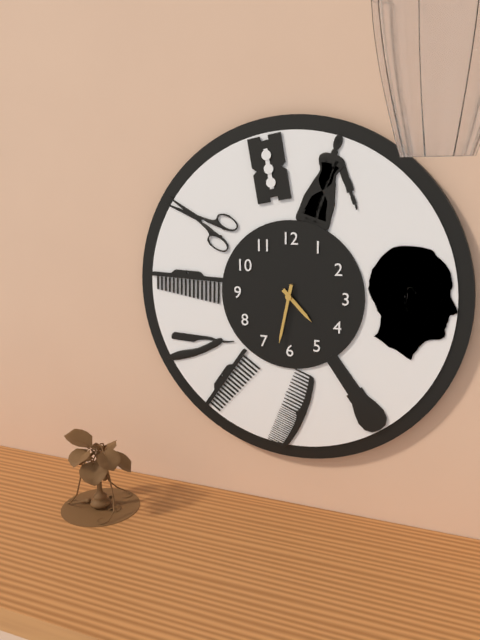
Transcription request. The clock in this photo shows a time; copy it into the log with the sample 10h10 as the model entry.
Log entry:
4h32
